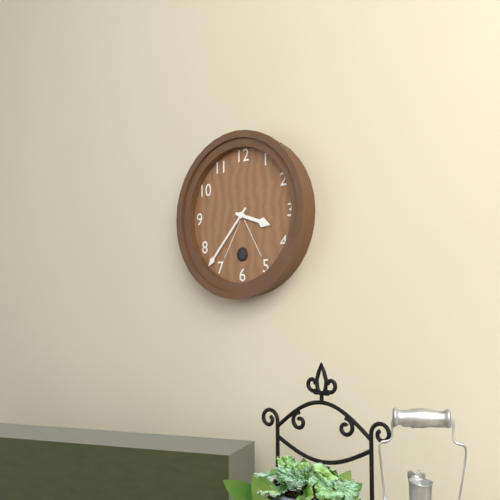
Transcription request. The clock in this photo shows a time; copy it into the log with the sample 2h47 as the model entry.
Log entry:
3h37
